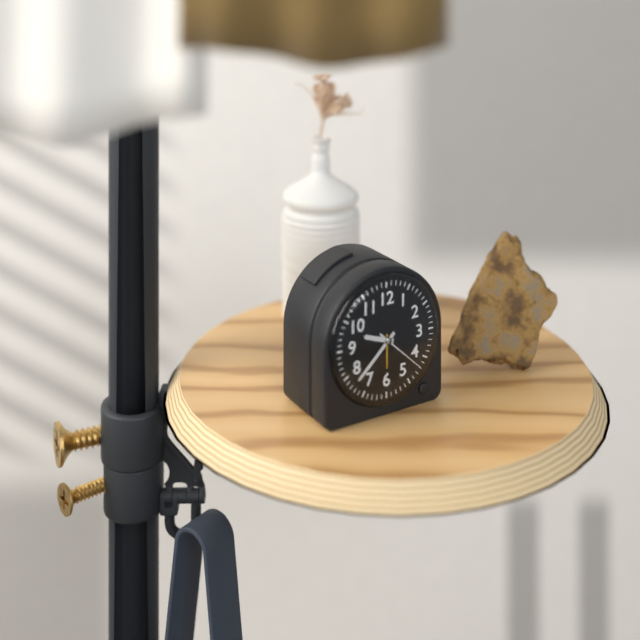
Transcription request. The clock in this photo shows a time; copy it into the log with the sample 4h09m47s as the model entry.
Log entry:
9h38m22s
